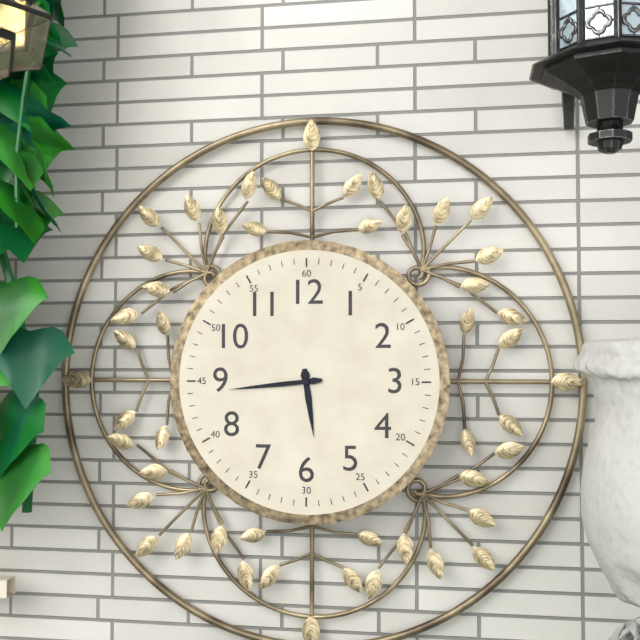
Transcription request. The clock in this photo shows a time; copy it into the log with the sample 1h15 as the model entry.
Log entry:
5h44
